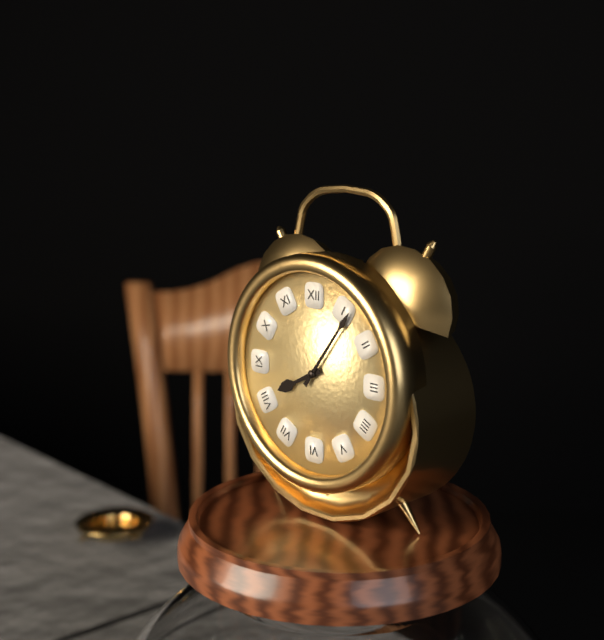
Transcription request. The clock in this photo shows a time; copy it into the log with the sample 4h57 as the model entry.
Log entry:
8h06
